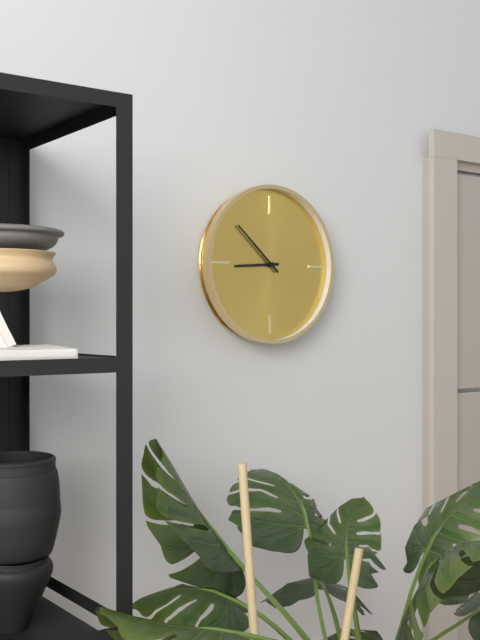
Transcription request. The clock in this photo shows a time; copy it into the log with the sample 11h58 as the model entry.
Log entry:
8h52
